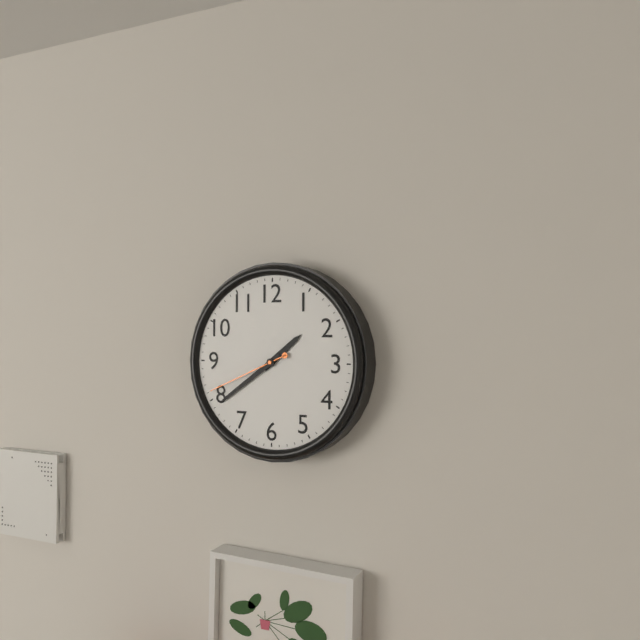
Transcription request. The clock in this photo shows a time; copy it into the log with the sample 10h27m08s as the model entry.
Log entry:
1h39m41s
